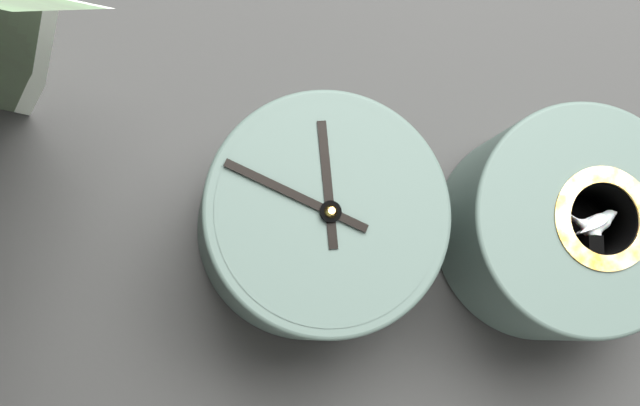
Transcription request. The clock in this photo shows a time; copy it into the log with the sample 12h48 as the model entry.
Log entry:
11h49
